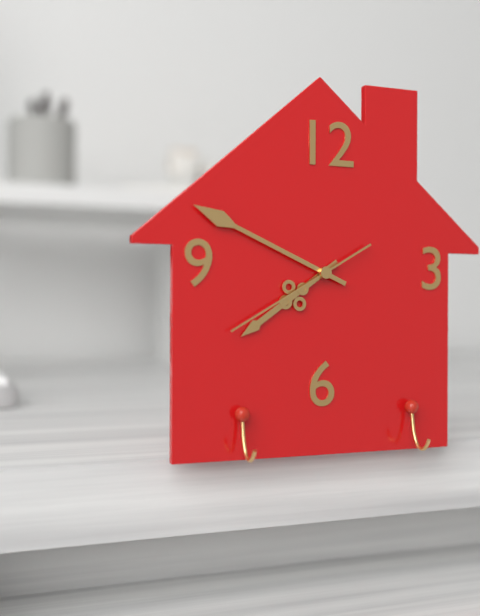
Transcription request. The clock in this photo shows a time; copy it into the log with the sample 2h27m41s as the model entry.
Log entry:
7h49m40s
